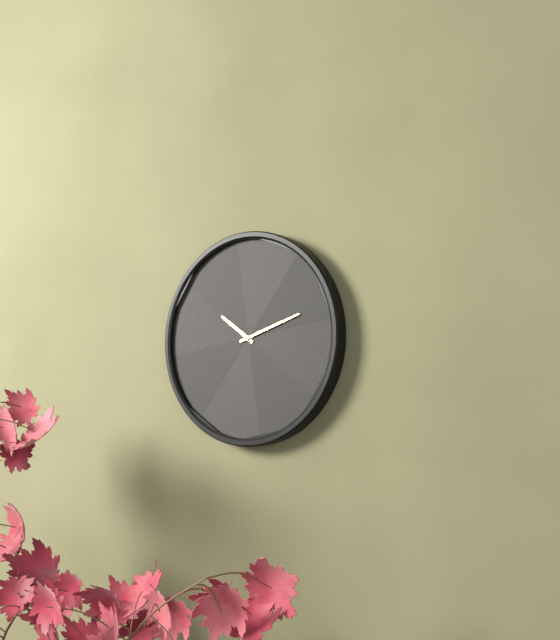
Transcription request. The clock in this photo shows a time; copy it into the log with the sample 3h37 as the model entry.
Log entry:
10h12
